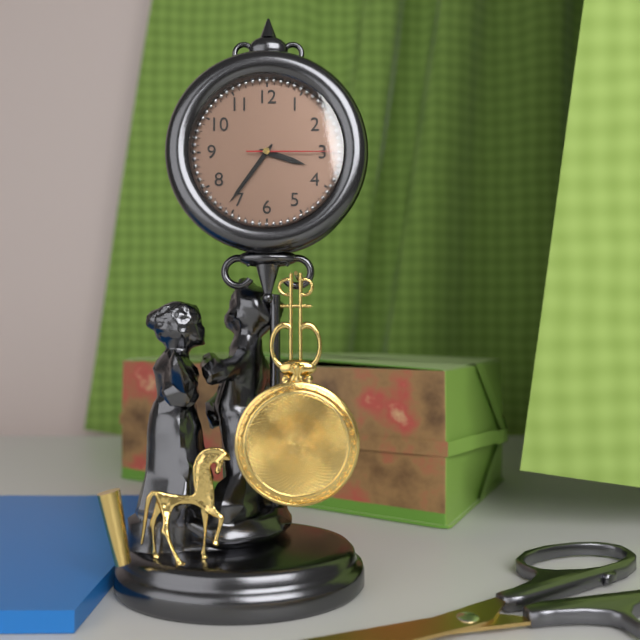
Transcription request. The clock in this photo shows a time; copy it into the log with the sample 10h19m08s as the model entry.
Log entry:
3h36m15s
